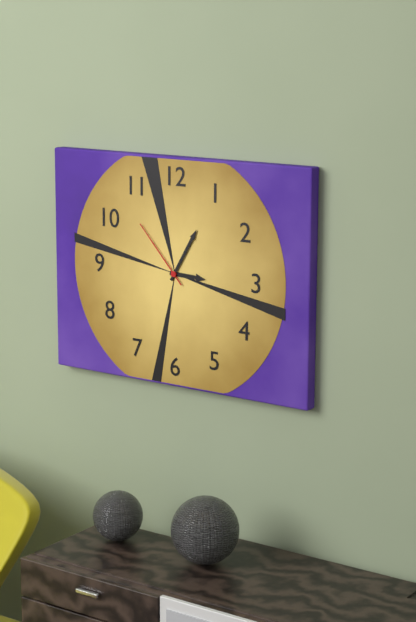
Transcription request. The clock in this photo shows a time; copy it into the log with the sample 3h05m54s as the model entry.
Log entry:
3h05m53s
